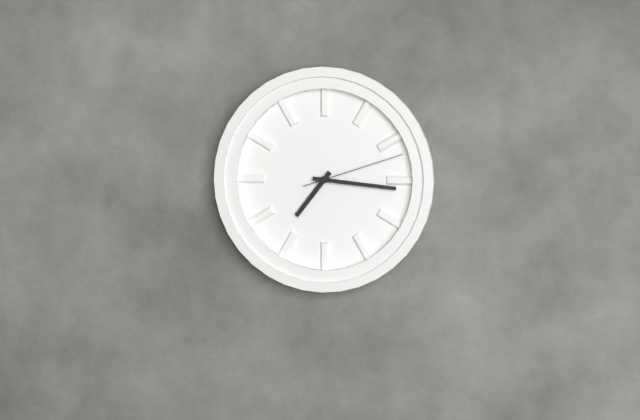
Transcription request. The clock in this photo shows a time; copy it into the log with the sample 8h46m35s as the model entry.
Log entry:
7h16m12s
